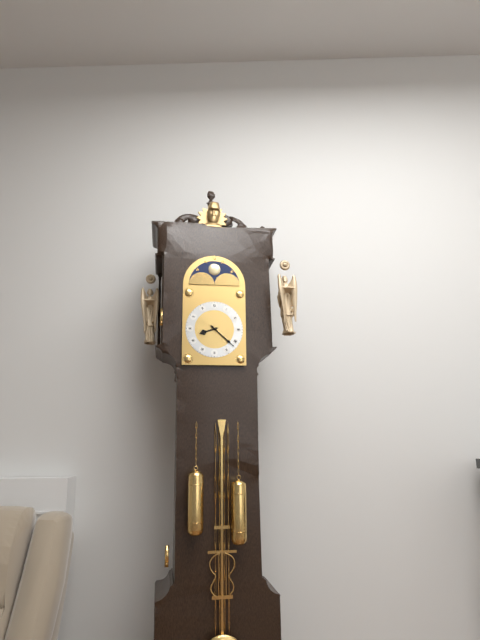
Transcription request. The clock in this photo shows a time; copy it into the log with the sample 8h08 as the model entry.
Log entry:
8h22
